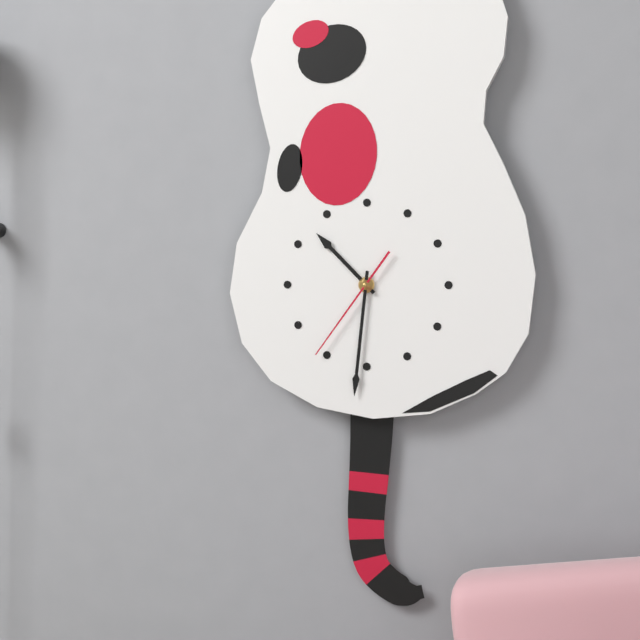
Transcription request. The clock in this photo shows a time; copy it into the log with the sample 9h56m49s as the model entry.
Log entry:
10h31m36s
